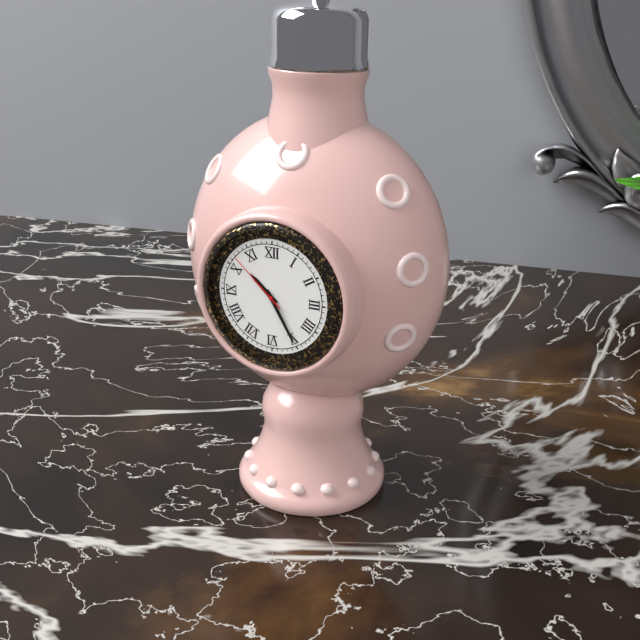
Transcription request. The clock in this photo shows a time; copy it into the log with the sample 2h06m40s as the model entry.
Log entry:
10h25m52s
